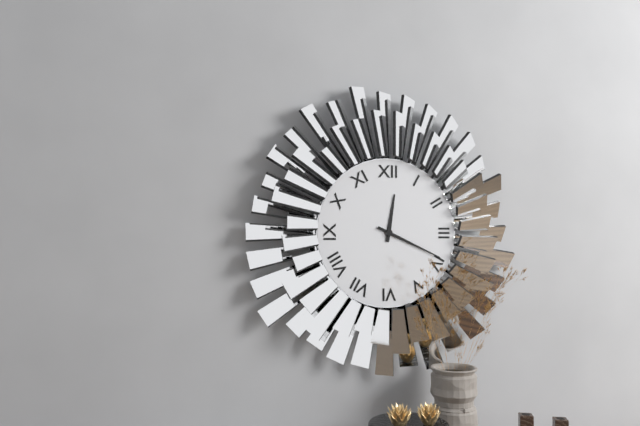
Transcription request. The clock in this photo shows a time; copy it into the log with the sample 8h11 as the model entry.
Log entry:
12h19
